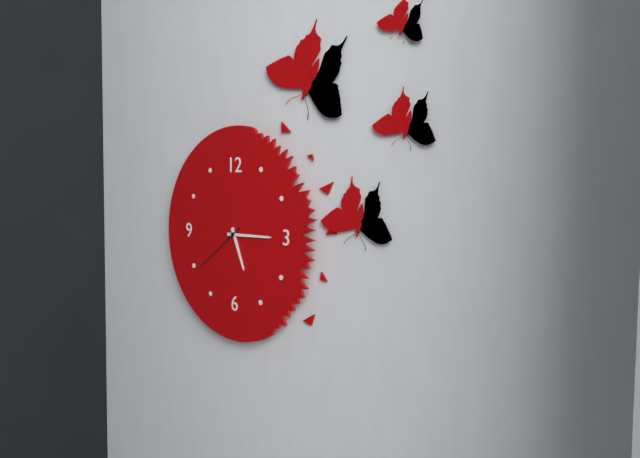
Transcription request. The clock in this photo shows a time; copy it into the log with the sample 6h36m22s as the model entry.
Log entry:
5h15m39s
